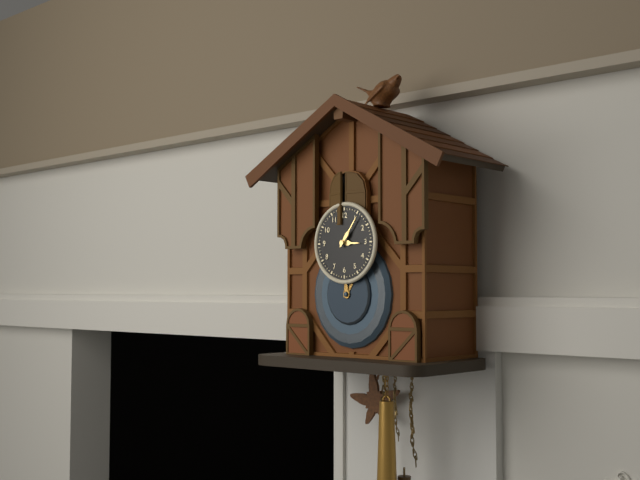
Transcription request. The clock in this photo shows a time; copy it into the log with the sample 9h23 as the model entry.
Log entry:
3h06
